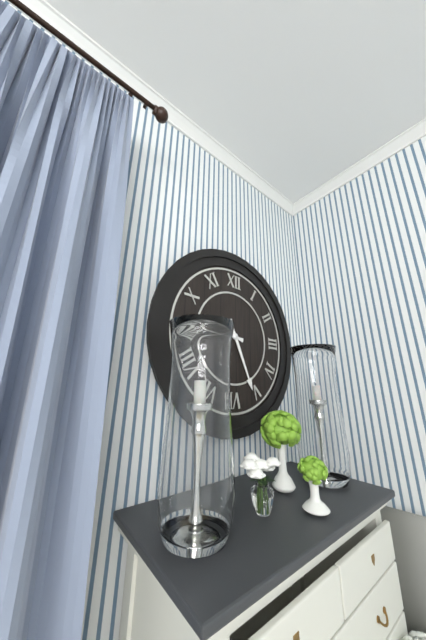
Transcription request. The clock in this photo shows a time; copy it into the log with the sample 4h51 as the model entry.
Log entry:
9h26
